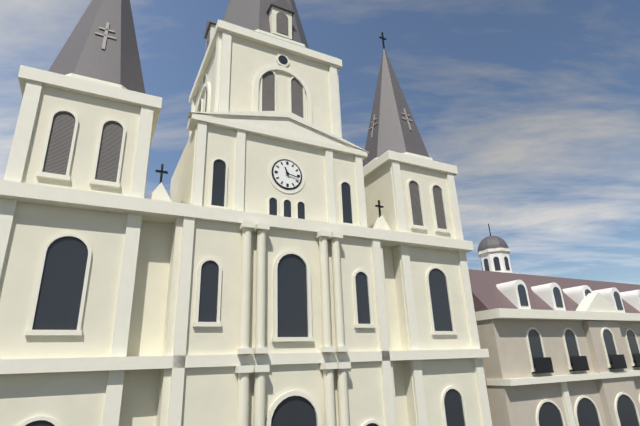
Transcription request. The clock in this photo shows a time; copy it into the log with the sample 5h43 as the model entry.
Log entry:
11h17
